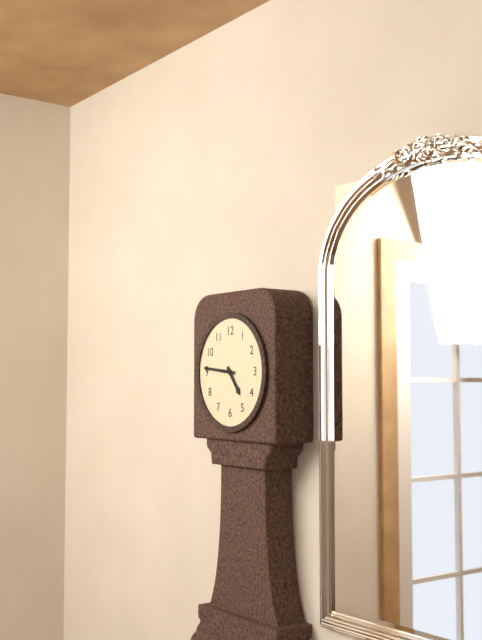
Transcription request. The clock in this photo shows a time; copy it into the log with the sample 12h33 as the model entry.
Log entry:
4h46
